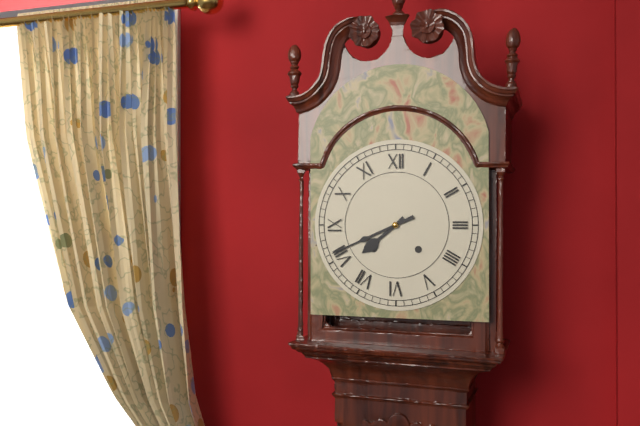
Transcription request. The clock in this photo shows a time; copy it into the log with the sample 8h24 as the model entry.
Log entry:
7h41
